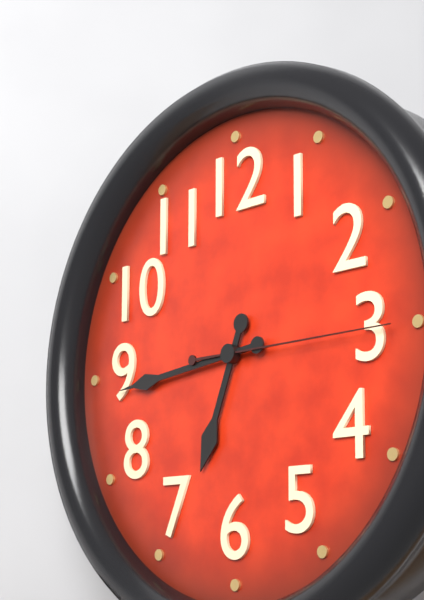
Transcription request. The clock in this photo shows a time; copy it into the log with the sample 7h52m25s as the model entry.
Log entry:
6h44m15s
